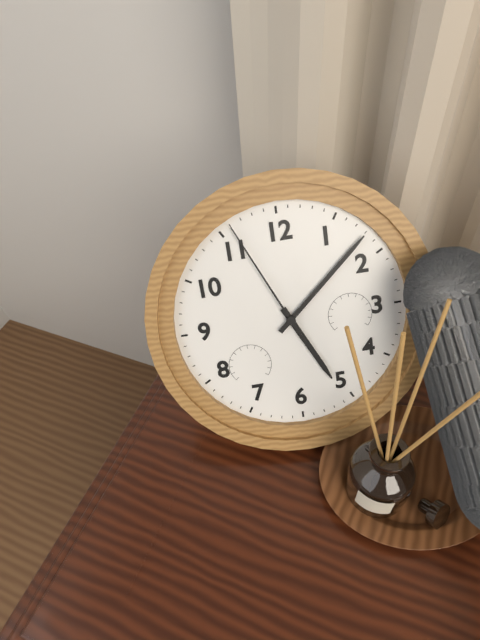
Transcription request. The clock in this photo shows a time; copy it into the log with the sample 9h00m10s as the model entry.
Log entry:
5h08m56s
